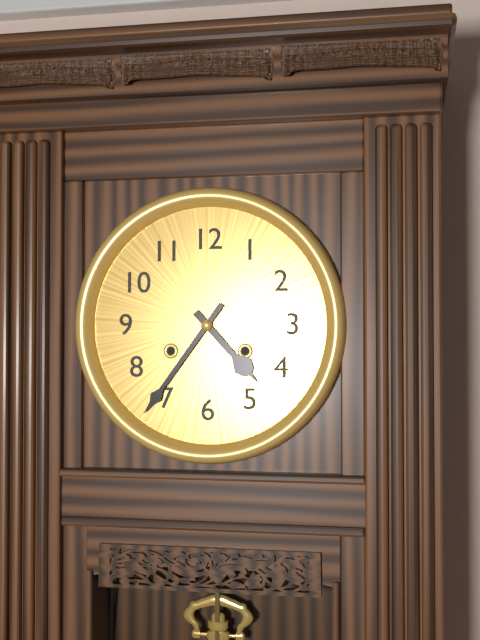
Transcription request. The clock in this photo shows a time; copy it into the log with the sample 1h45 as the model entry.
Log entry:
4h36
